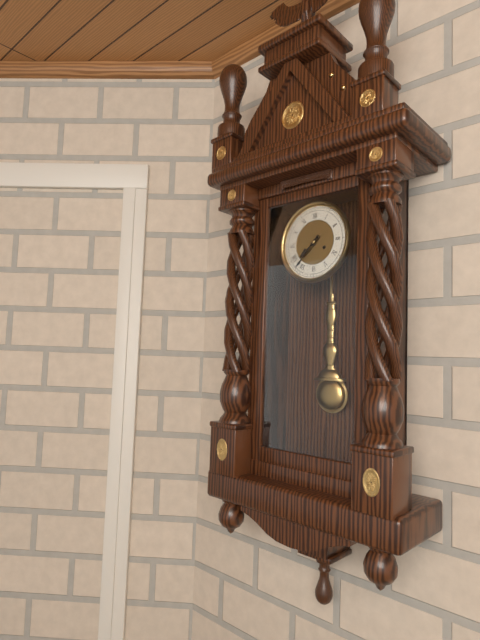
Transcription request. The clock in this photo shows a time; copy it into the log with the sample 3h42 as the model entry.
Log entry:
7h37
